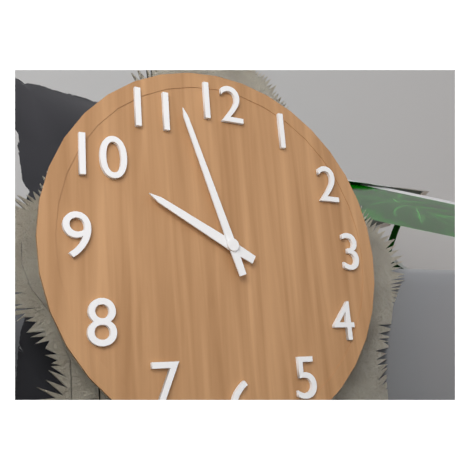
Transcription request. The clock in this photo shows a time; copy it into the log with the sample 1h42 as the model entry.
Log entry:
9h57
